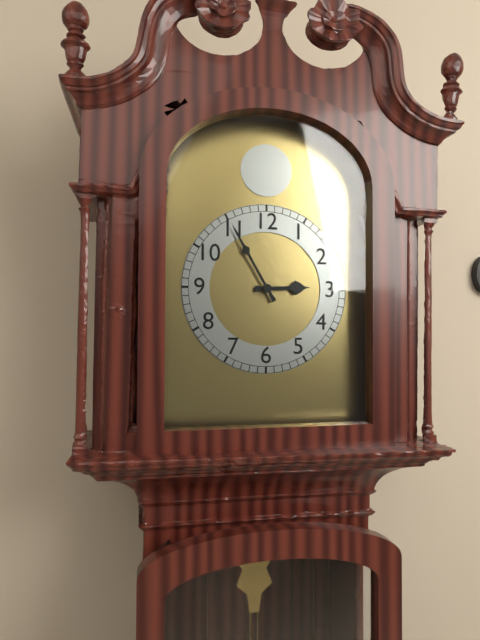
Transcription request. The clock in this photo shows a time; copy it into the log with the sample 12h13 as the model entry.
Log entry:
2h55
